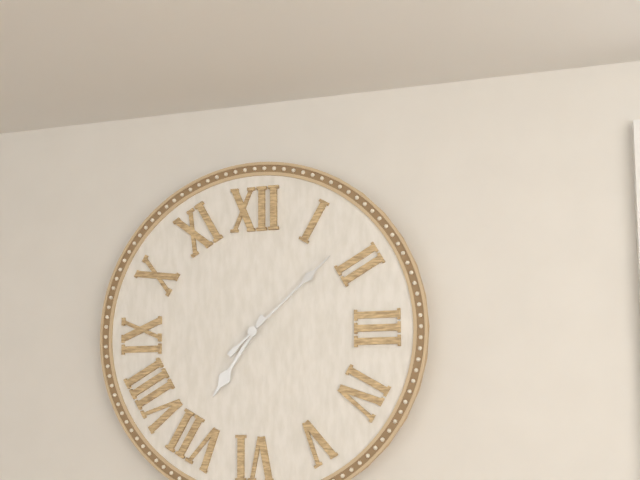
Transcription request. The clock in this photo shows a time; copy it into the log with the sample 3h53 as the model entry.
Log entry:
7h08
